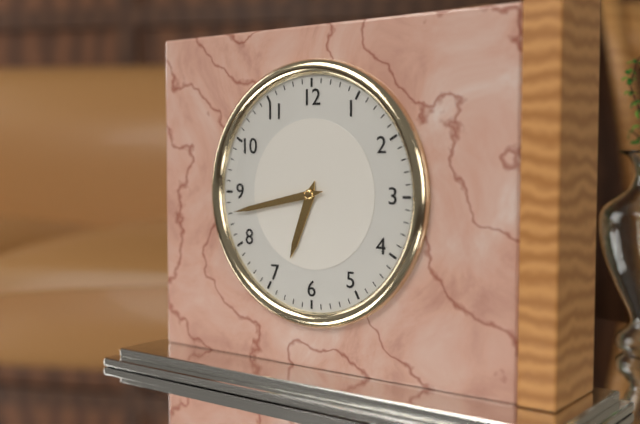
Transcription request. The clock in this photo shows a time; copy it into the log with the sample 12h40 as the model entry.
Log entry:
6h43
